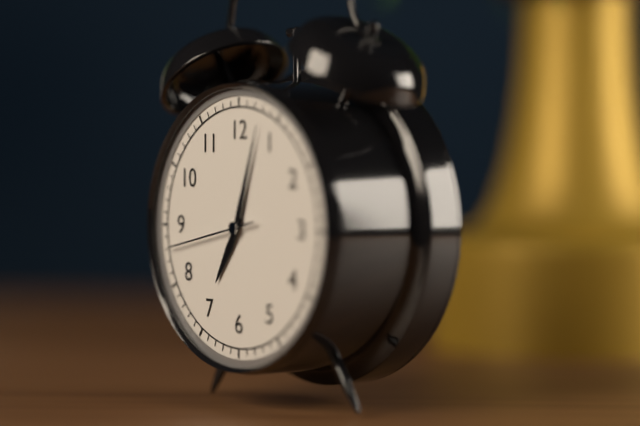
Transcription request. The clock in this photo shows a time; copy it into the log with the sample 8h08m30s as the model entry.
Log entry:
7h03m43s
